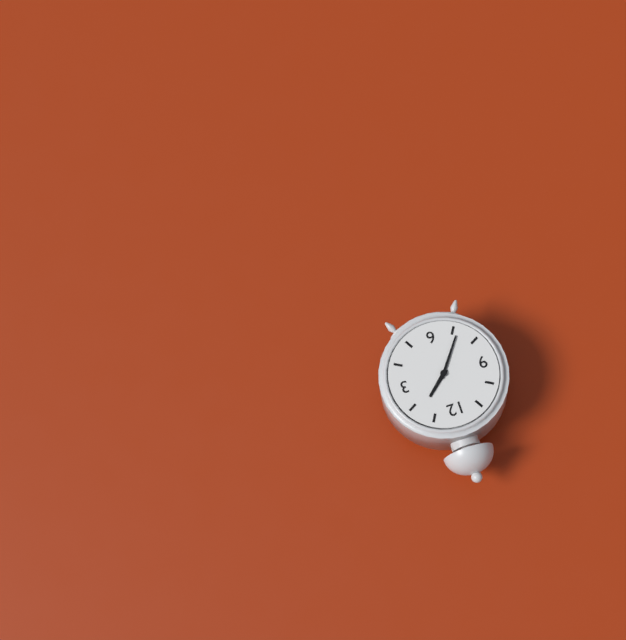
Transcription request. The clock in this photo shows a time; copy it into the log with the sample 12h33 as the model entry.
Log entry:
1h36
